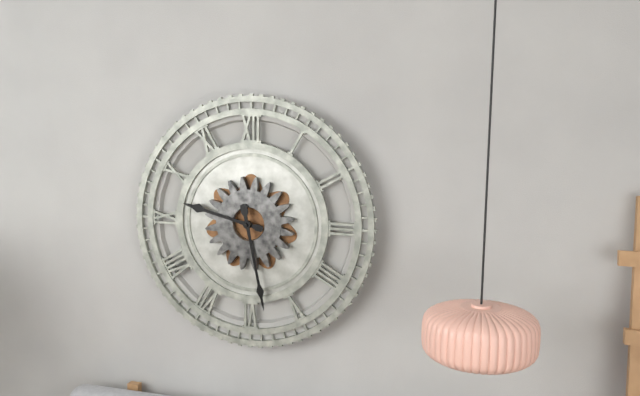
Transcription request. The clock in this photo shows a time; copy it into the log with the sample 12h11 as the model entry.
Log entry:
9h28
